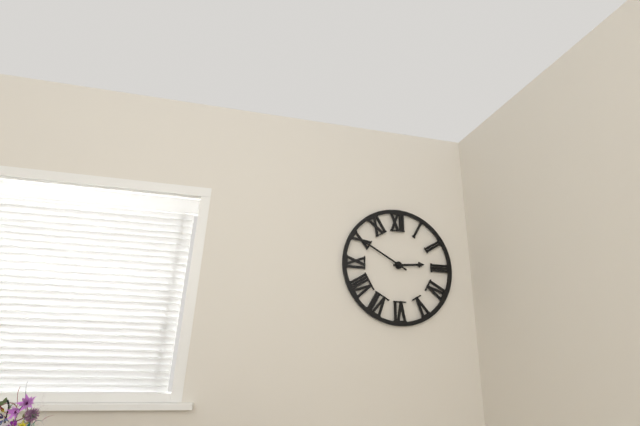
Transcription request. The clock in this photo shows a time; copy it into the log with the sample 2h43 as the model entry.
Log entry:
2h50
